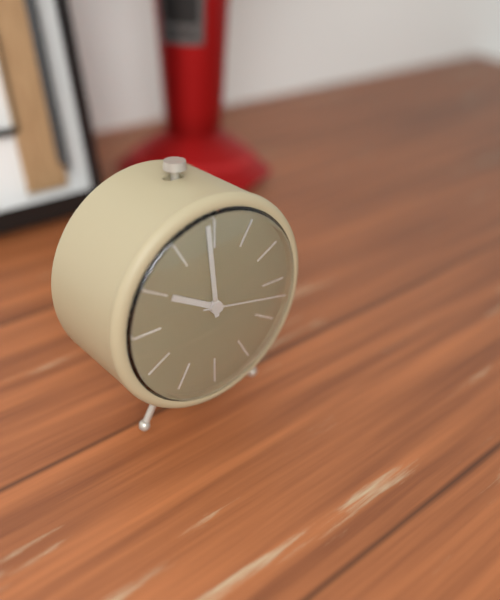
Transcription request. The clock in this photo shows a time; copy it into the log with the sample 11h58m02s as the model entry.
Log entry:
9h59m17s
